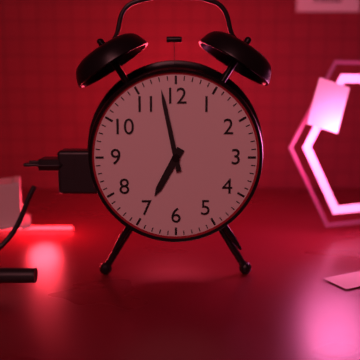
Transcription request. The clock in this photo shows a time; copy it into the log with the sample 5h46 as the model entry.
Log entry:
6h58
